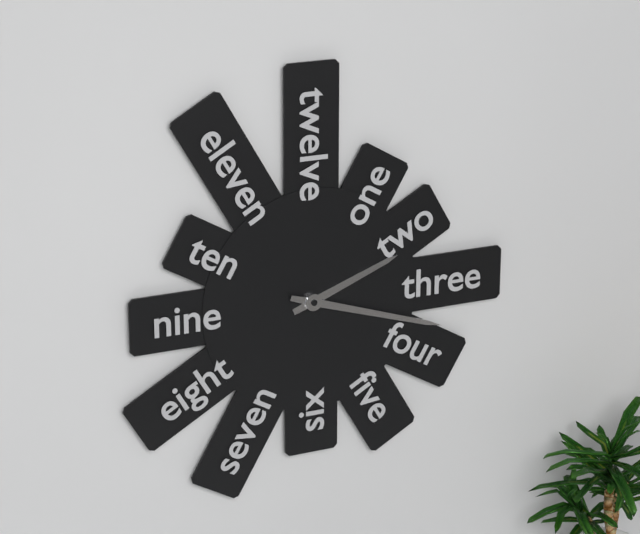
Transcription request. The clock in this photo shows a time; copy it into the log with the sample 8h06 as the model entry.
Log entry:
2h18
